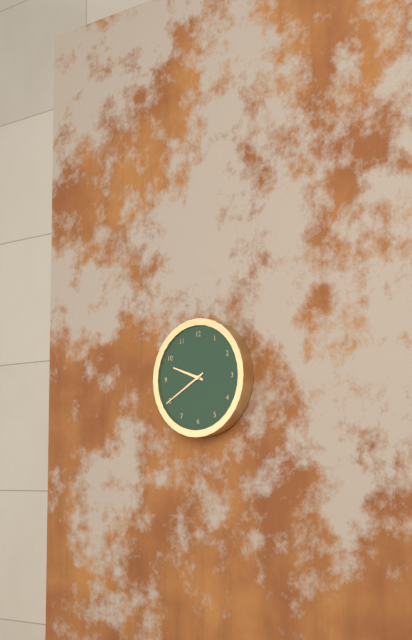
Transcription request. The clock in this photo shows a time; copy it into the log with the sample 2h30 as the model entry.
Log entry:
9h40
